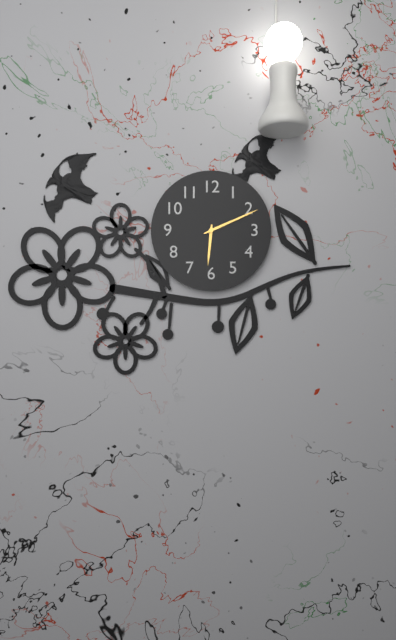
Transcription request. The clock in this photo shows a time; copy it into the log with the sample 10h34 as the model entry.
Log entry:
6h11
